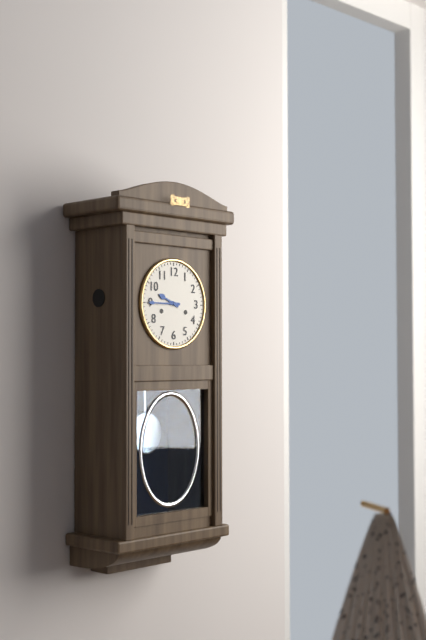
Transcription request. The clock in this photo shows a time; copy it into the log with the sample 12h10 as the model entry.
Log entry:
9h45
